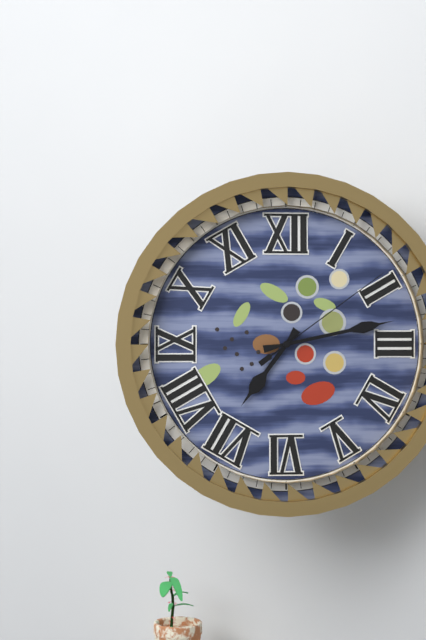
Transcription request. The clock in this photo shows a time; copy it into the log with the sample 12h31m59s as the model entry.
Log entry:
7h13m09s
